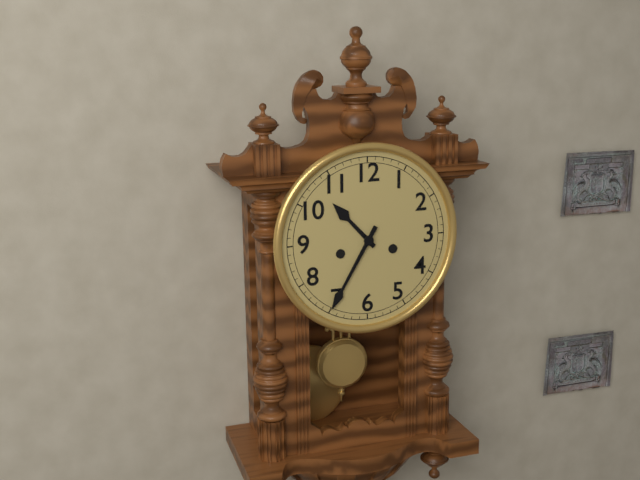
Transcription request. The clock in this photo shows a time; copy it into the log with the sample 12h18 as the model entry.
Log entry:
10h35
